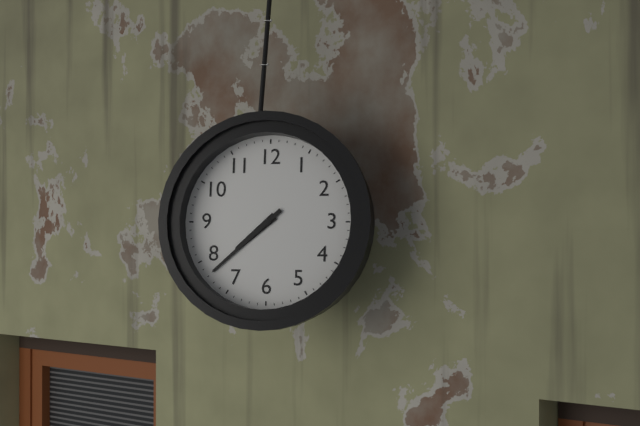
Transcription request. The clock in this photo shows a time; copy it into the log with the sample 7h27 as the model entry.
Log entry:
7h38
